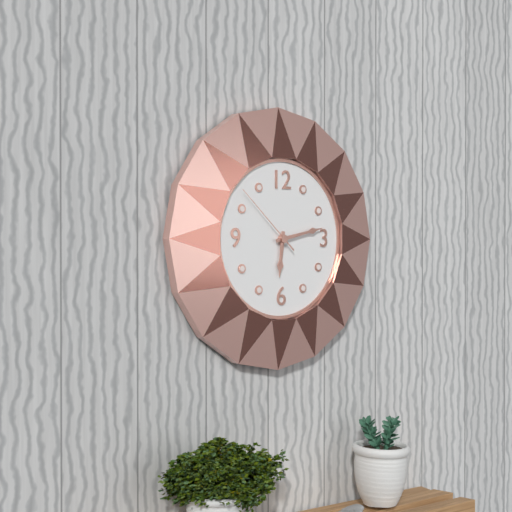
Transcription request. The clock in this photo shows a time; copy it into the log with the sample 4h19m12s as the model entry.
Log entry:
6h13m52s
